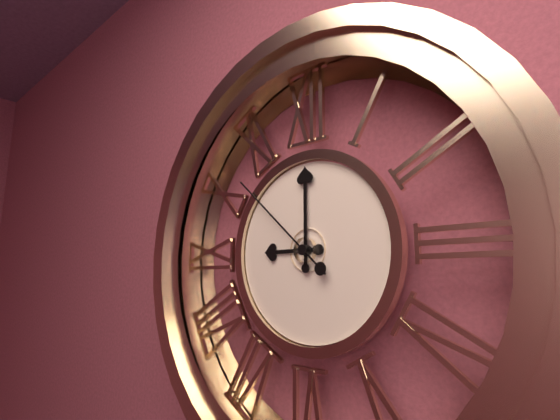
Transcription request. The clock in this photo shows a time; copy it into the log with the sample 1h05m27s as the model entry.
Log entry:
9h00m52s
